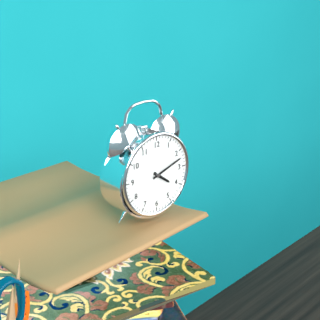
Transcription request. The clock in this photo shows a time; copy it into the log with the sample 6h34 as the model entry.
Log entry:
4h12
